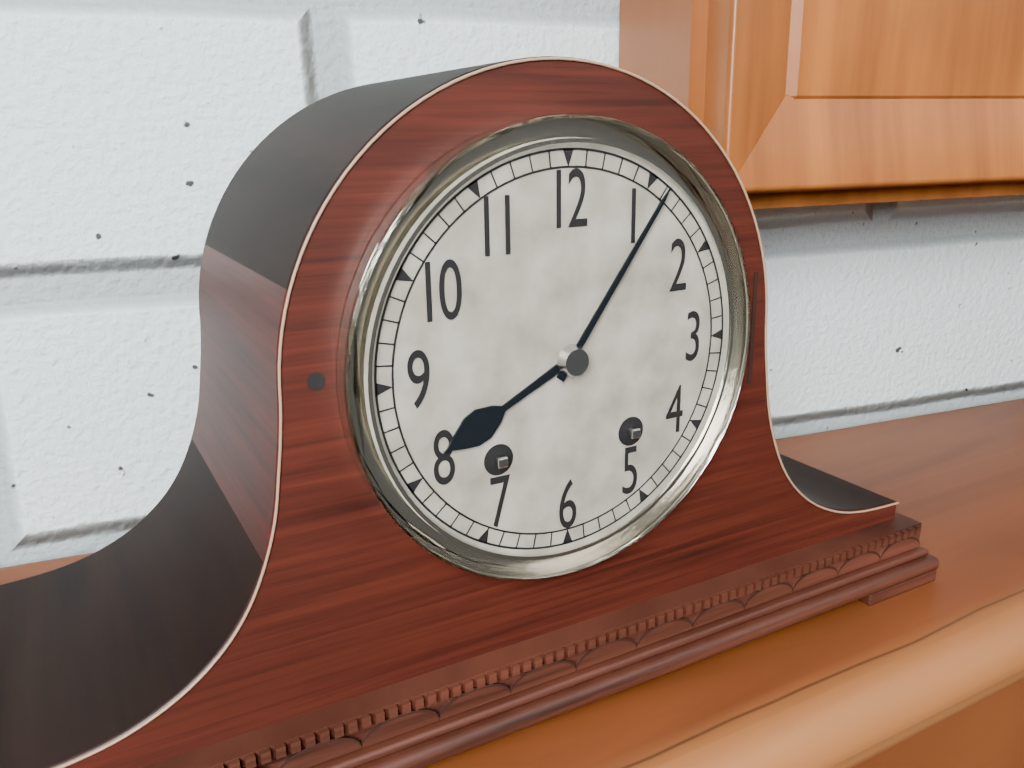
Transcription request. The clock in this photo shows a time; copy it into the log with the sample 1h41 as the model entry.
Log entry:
8h06
